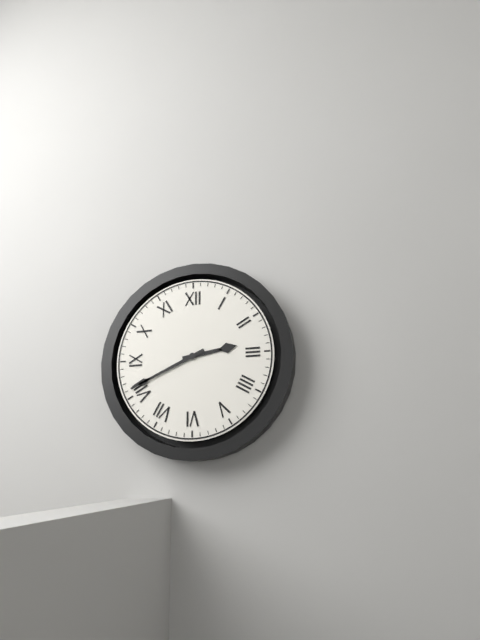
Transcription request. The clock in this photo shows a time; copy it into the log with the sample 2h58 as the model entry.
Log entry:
2h41
